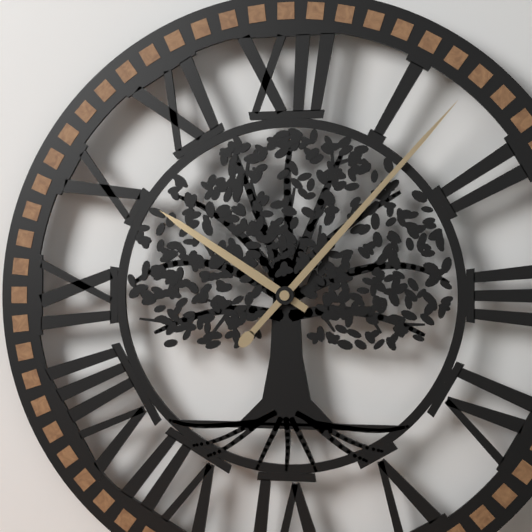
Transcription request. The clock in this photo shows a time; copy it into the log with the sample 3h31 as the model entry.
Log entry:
10h07
